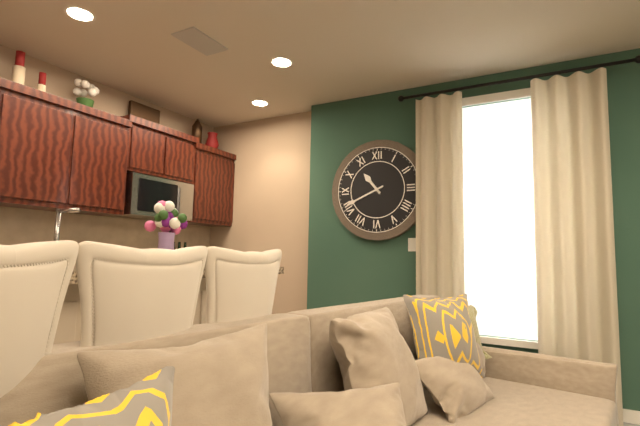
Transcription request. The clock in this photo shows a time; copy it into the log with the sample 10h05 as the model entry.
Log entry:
10h41
